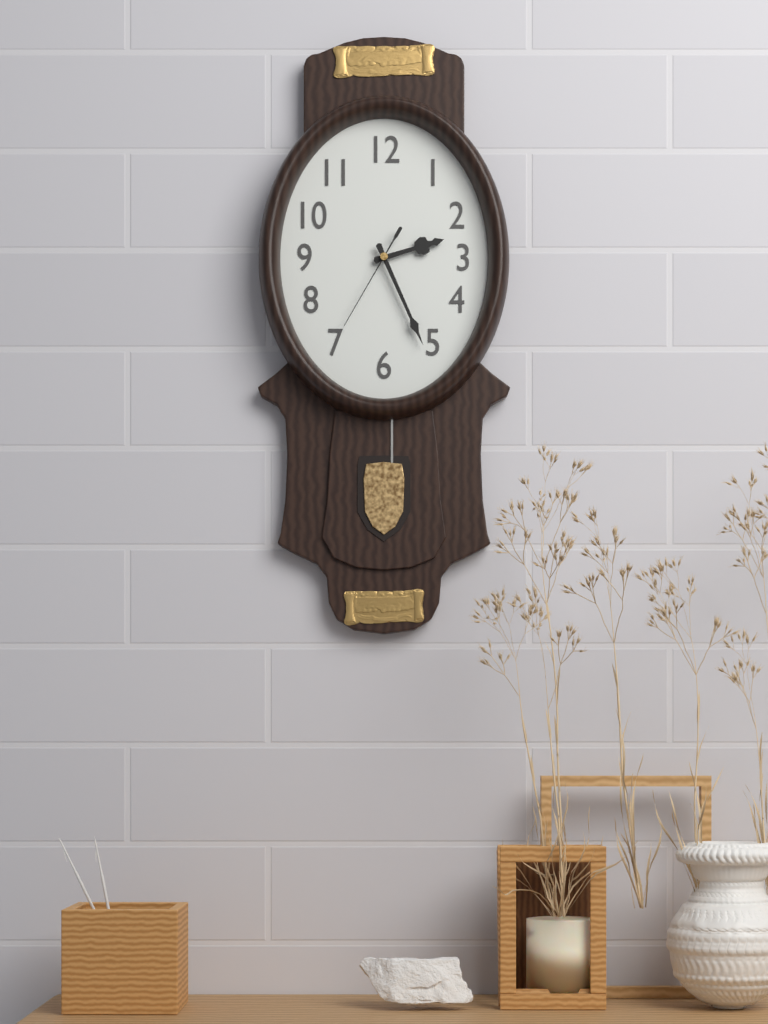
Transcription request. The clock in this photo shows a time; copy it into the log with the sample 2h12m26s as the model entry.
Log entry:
2h26m35s
